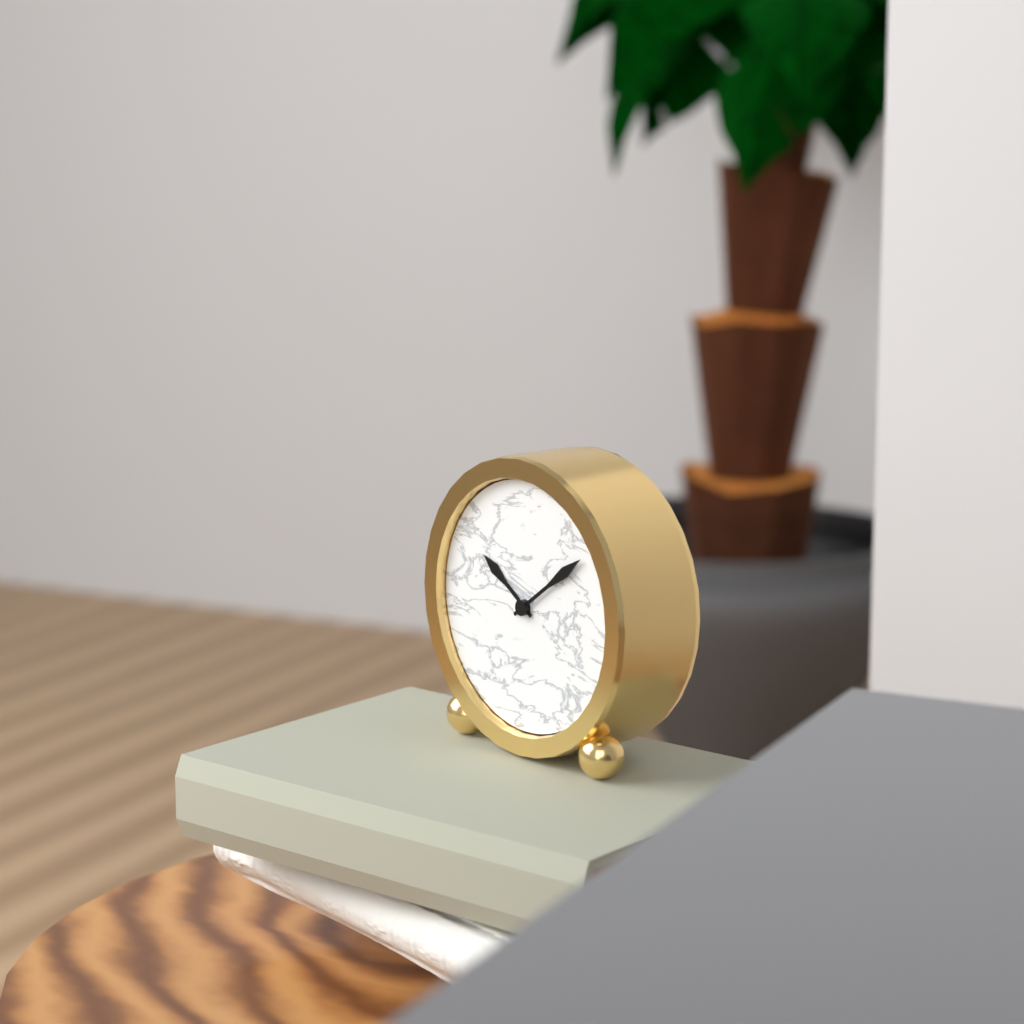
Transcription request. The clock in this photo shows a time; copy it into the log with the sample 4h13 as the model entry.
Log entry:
10h09
